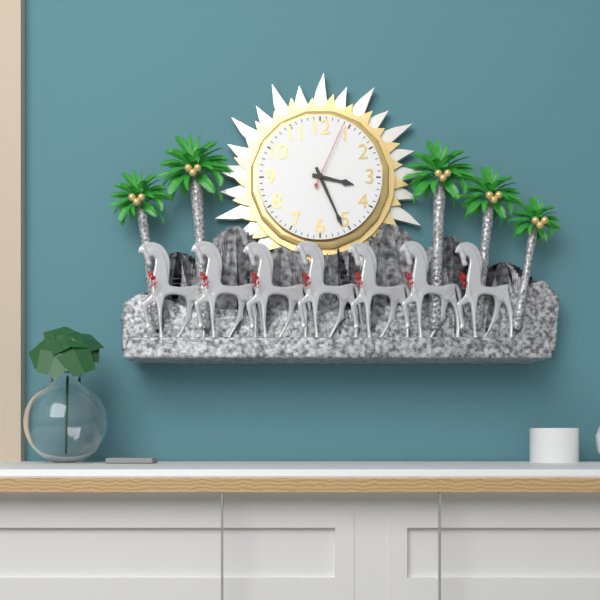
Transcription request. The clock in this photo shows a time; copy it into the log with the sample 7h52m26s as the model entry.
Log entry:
3h26m04s
